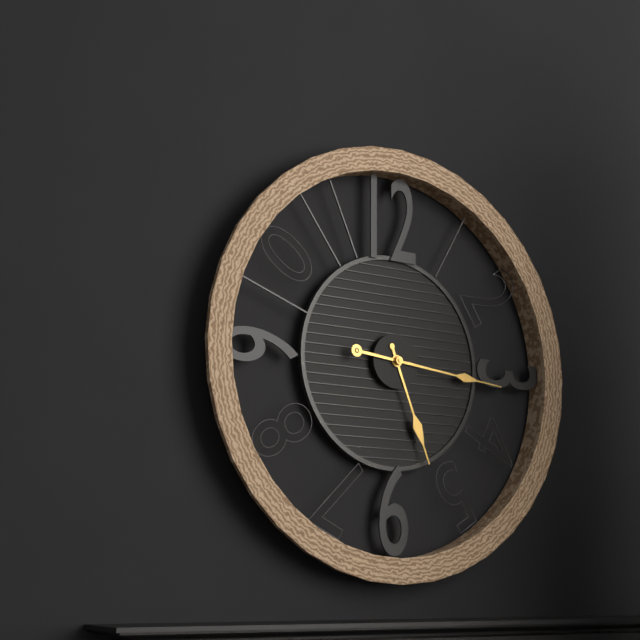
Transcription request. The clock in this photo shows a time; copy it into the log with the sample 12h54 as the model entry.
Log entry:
5h16
